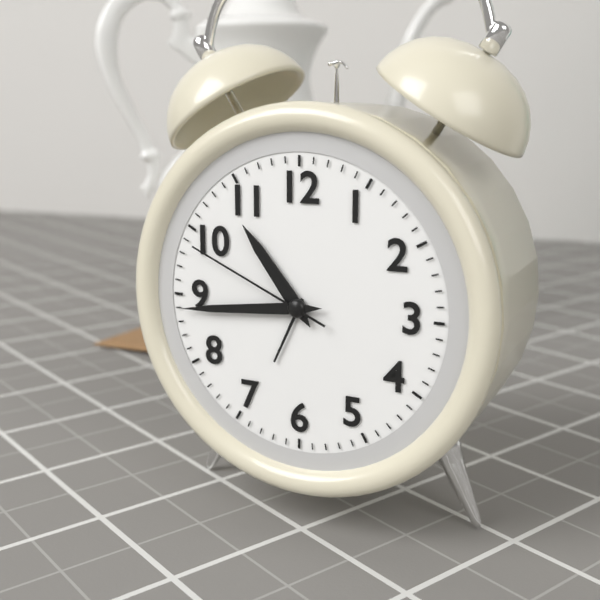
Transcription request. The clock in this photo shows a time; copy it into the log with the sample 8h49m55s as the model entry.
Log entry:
10h44m49s
